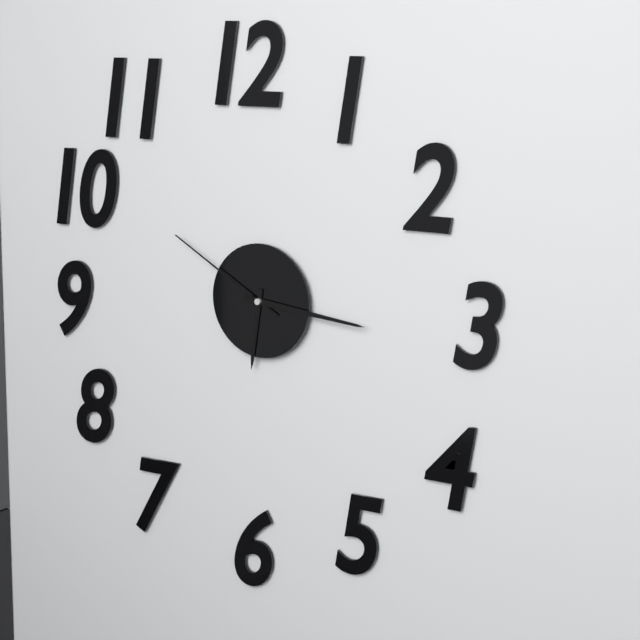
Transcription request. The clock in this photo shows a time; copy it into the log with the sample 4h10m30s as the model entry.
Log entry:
6h16m50s
